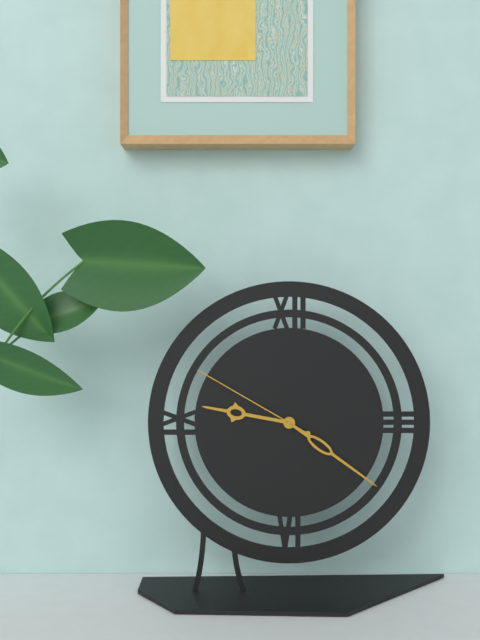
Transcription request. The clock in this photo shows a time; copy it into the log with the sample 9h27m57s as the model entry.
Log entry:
9h21m50s
